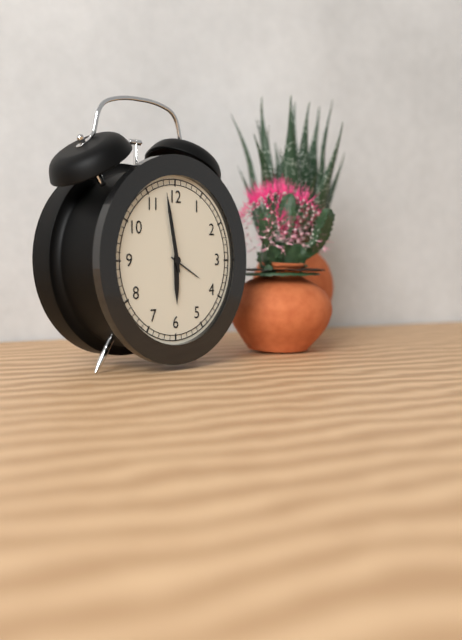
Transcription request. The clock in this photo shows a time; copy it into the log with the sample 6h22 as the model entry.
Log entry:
5h58
